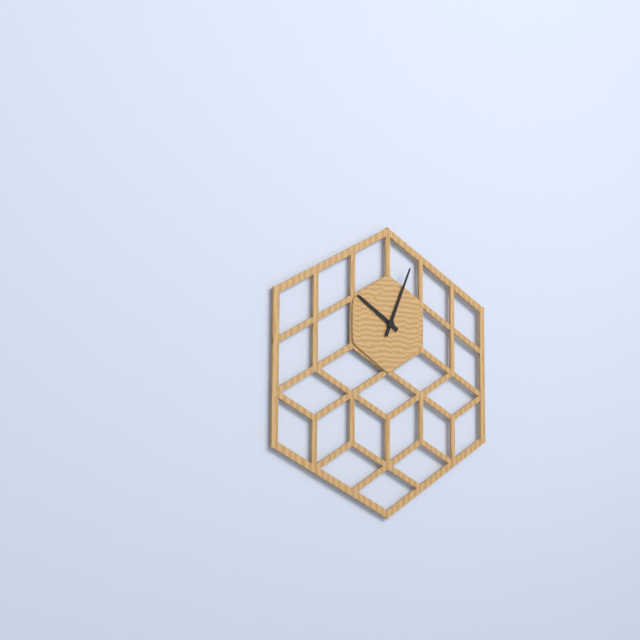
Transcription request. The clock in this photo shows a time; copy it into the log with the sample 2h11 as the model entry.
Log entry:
10h04
